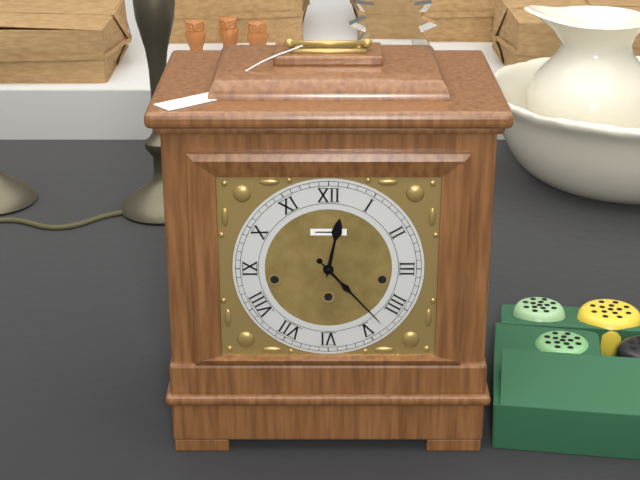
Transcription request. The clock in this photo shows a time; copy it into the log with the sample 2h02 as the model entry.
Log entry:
12h23
